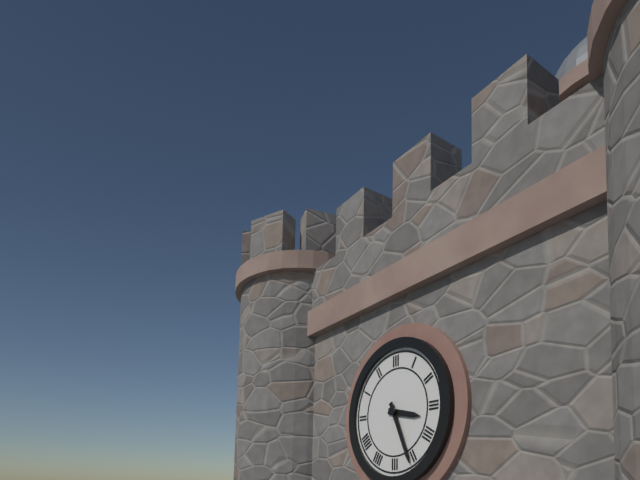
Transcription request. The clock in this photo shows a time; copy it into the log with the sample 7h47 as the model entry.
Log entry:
3h26
